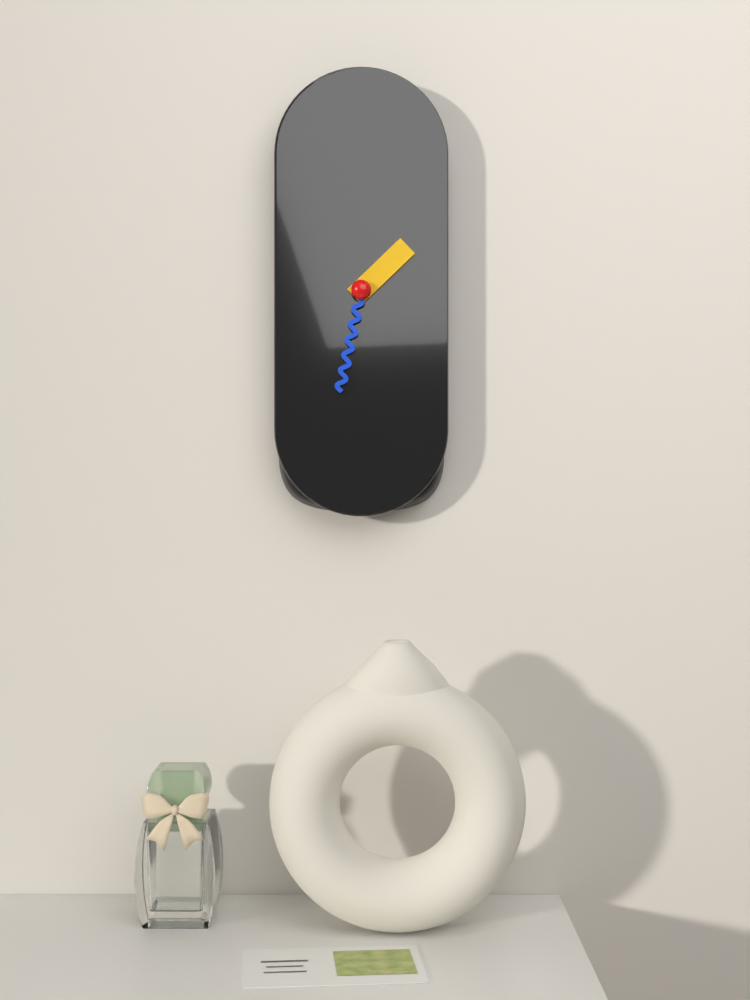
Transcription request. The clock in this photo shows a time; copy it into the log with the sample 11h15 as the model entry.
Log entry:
1h32
